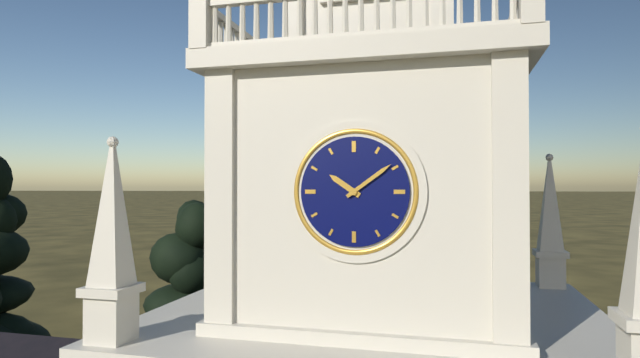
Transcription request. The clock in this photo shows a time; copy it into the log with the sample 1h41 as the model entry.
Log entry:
10h09
